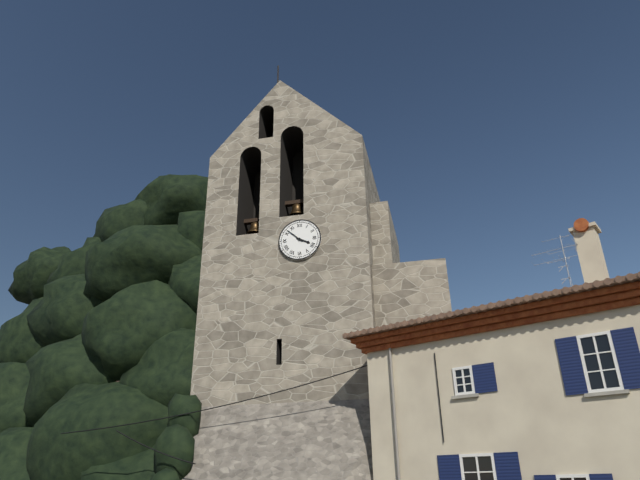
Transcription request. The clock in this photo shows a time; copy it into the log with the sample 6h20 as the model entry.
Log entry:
3h52
